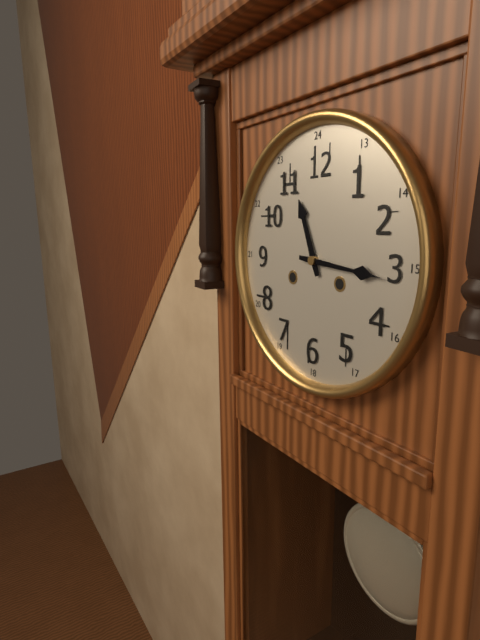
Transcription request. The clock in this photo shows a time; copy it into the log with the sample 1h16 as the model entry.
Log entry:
11h16
